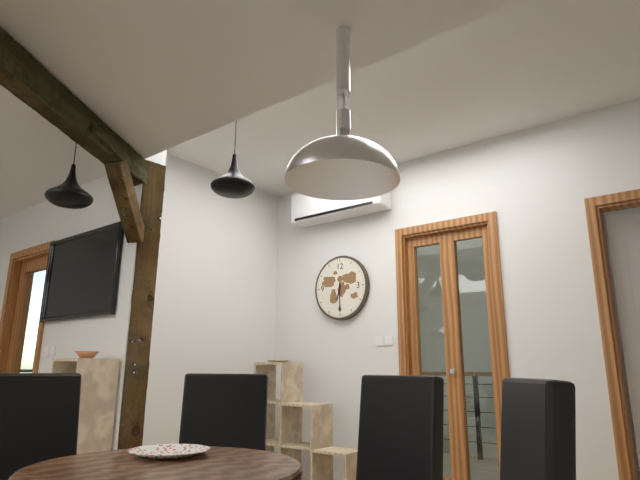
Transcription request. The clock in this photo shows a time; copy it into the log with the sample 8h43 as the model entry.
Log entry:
6h30
